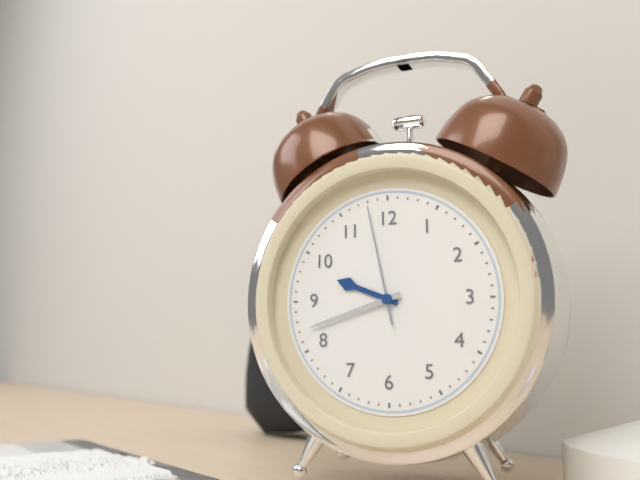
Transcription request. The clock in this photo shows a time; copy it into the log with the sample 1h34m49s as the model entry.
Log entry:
9h42m58s
